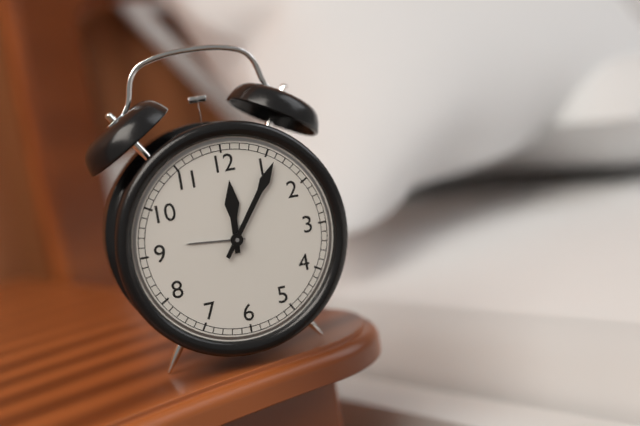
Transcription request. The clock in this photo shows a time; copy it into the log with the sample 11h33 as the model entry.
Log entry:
12h06
